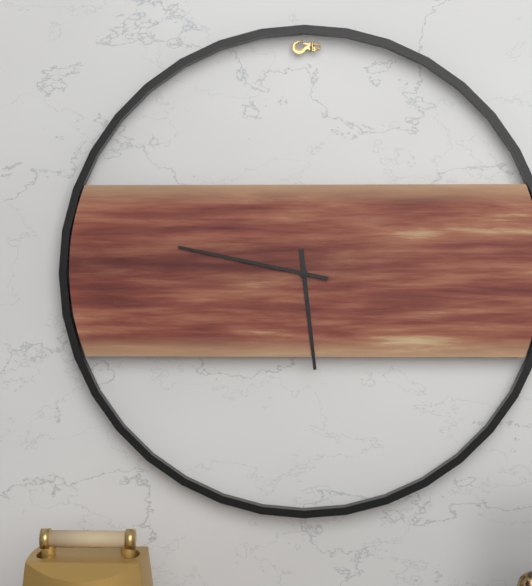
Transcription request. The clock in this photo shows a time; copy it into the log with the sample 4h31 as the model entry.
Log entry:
5h47
